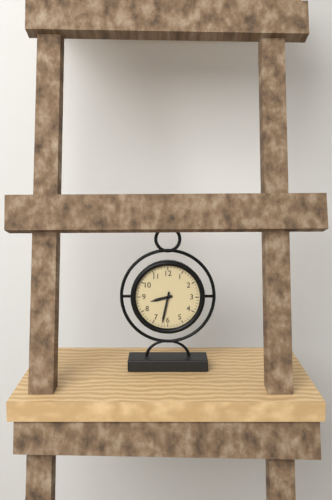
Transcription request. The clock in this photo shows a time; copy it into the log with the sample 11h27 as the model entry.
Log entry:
8h32
